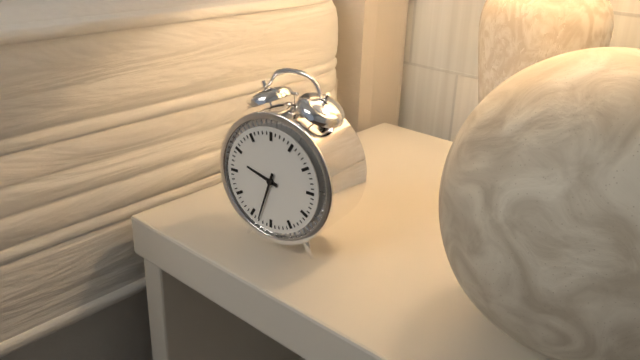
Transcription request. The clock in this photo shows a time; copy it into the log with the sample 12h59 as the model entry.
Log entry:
9h33
